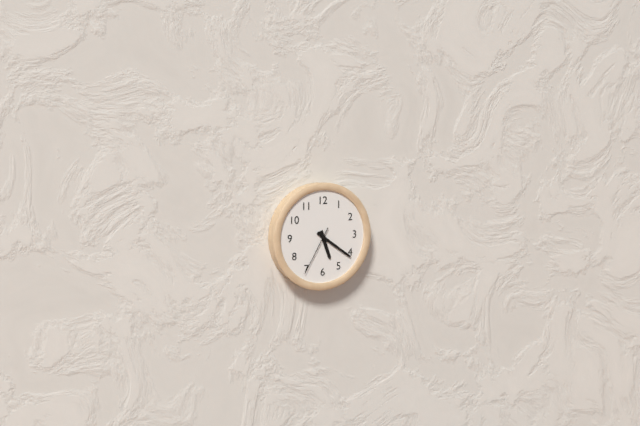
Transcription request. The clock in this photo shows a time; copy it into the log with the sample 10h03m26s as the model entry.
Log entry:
5h21m35s
